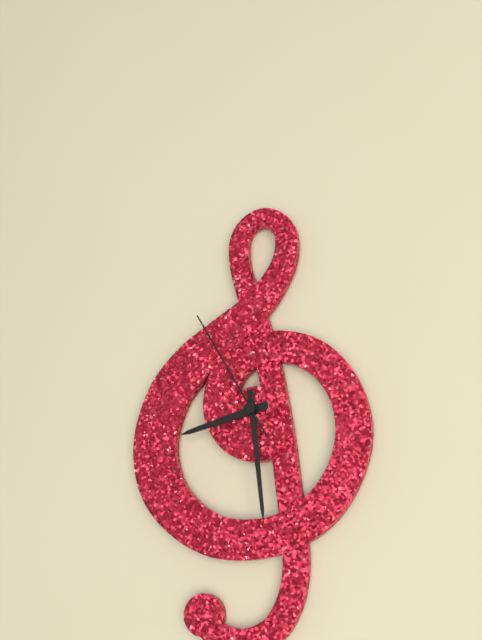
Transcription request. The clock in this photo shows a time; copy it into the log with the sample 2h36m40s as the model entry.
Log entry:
8h29m55s
